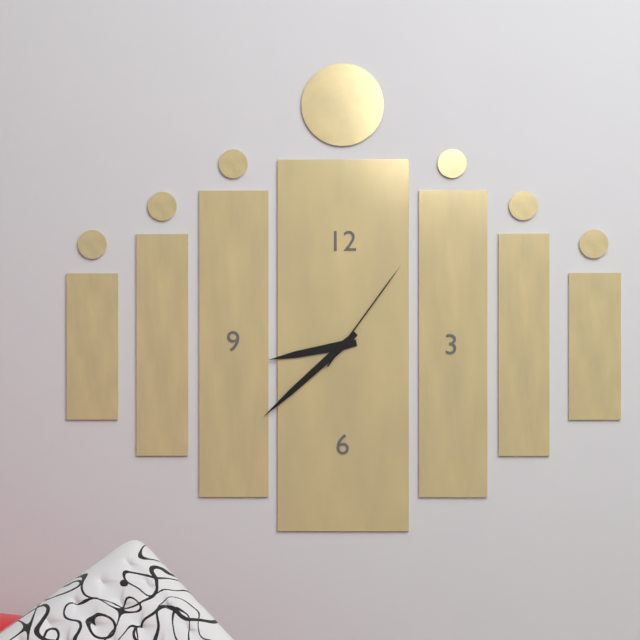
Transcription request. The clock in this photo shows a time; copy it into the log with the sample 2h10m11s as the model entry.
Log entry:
8h38m06s
